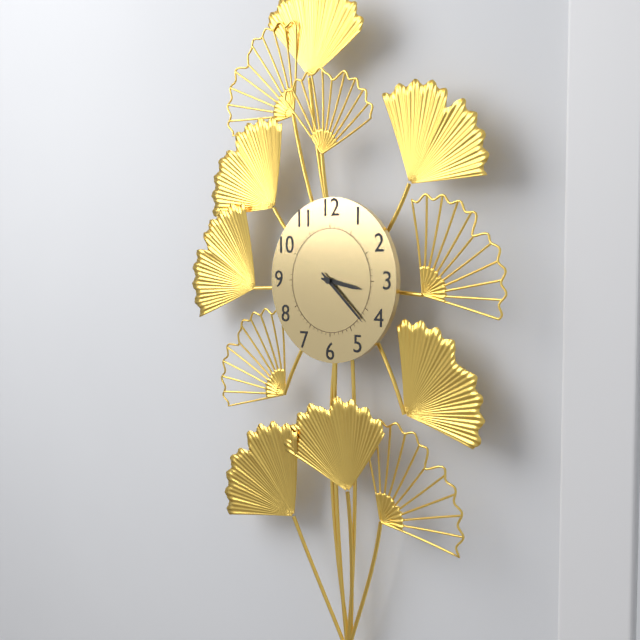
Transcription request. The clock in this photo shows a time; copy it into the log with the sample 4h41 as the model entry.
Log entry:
3h22
